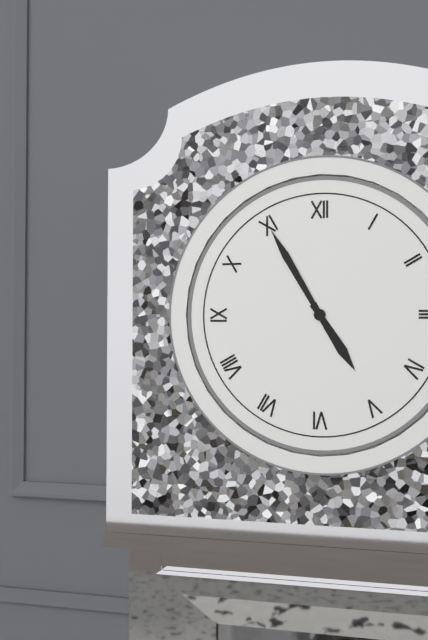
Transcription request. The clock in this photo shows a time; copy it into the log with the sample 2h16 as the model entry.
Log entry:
4h55
